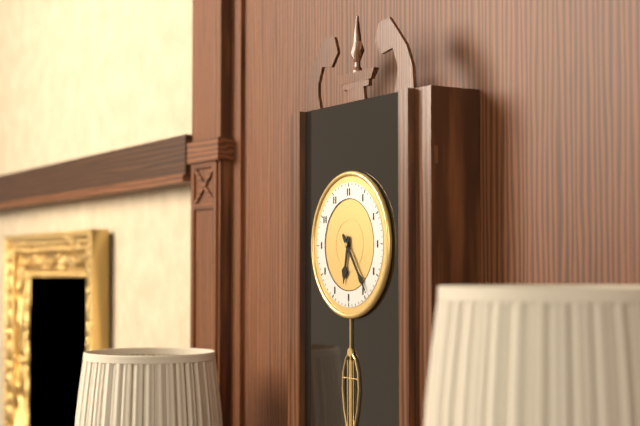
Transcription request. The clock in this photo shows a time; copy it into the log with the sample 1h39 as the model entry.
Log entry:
6h24
